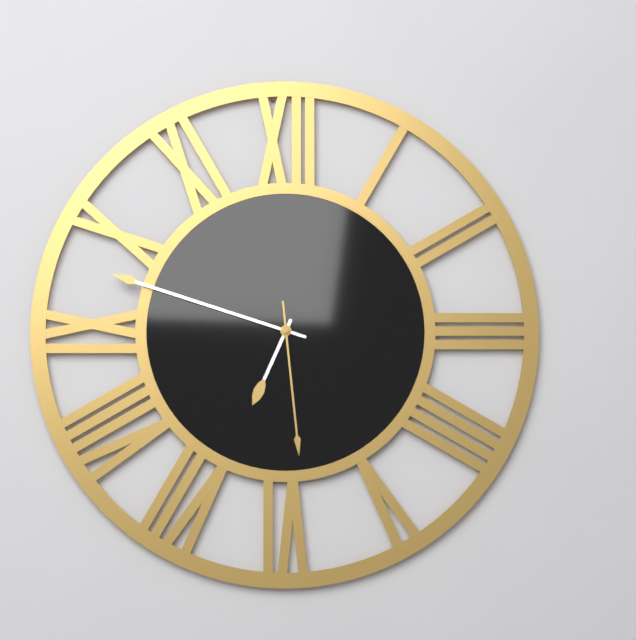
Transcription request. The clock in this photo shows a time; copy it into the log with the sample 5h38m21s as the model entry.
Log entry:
6h48m29s
